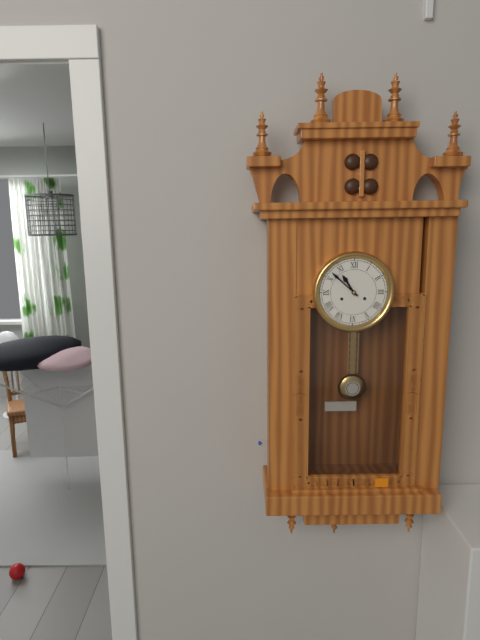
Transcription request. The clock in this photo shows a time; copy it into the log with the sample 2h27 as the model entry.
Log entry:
10h52
